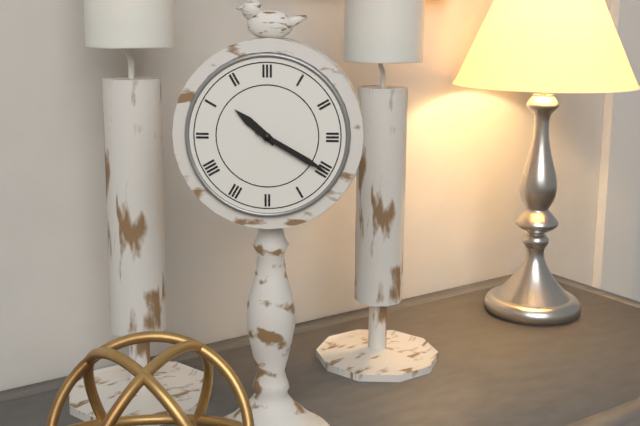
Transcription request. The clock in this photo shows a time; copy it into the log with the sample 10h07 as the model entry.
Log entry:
10h20
